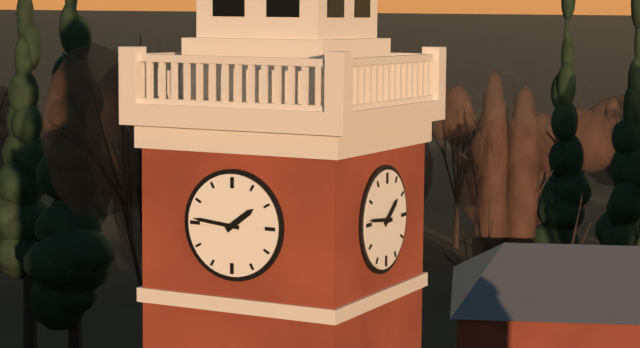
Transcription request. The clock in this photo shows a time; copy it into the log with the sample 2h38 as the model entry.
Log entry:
1h46
